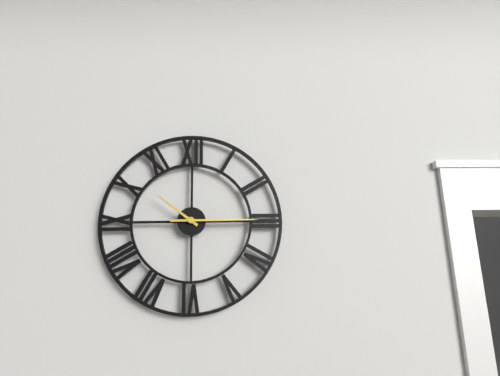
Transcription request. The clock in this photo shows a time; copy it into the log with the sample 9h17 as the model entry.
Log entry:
10h15
